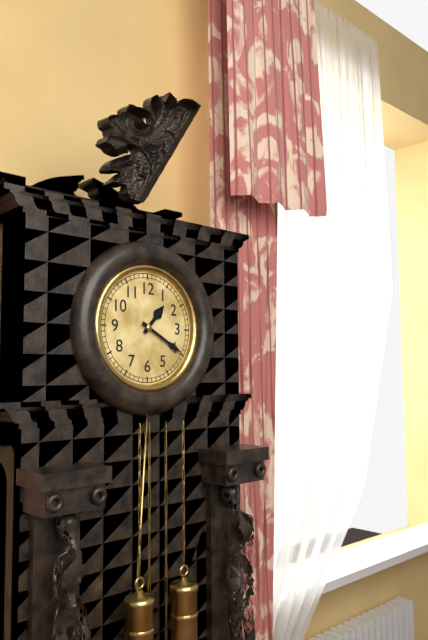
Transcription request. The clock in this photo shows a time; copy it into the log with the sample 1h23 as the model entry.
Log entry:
1h20
